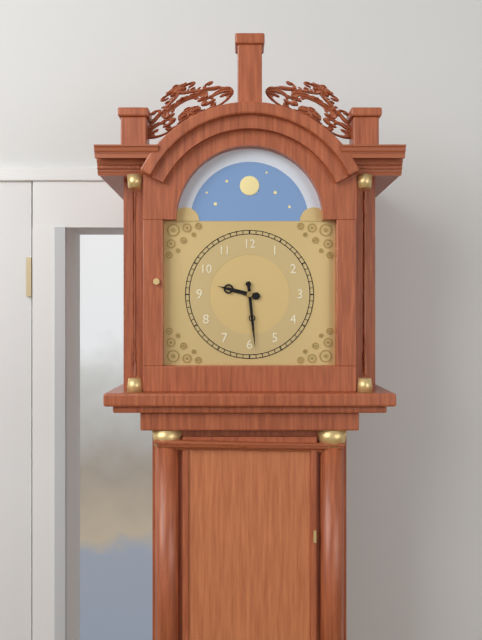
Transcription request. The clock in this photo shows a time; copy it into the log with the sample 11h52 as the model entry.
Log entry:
9h29
